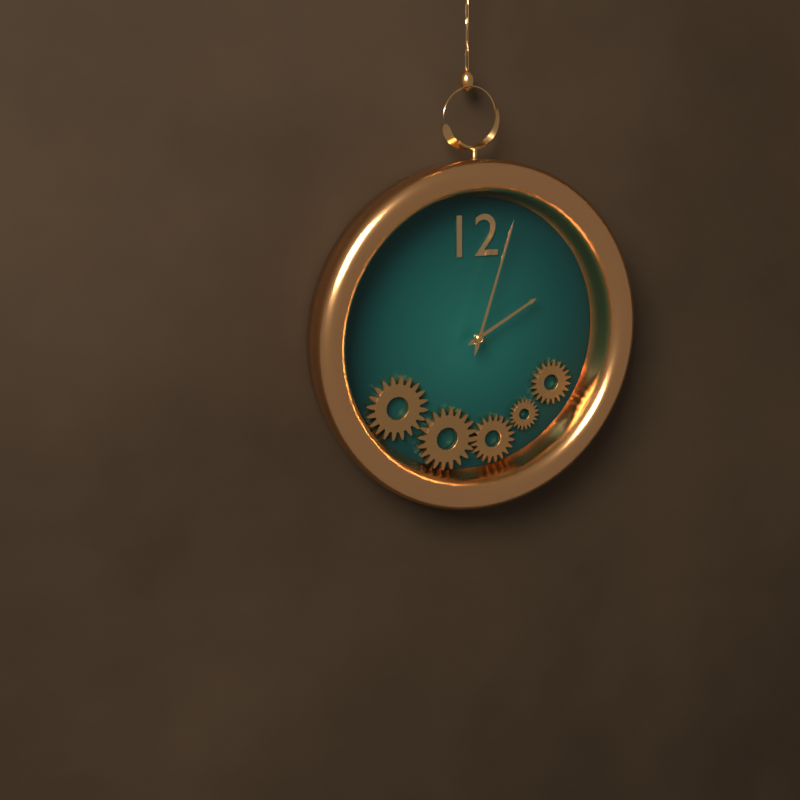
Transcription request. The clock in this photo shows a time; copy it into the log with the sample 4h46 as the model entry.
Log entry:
2h03
